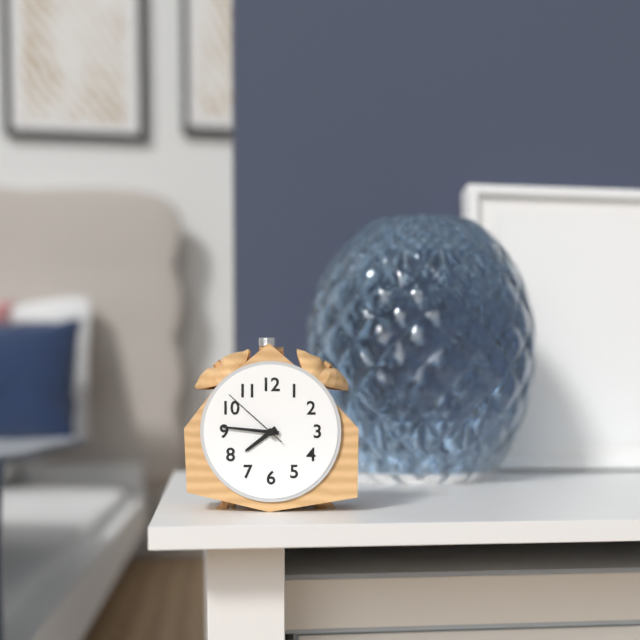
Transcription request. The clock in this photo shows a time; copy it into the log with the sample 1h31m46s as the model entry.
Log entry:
7h46m52s
